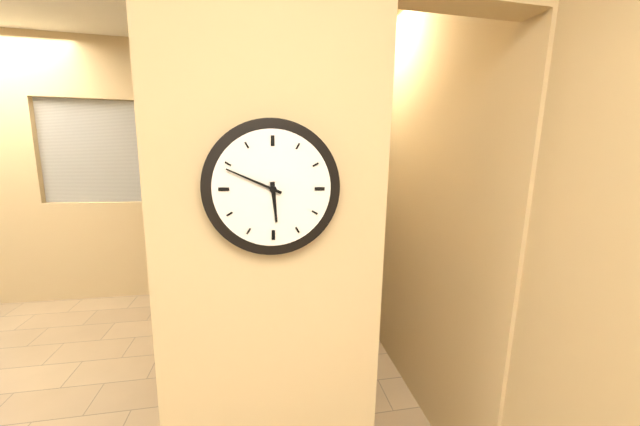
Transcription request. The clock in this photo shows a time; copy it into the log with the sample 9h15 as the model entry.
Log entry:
5h49
